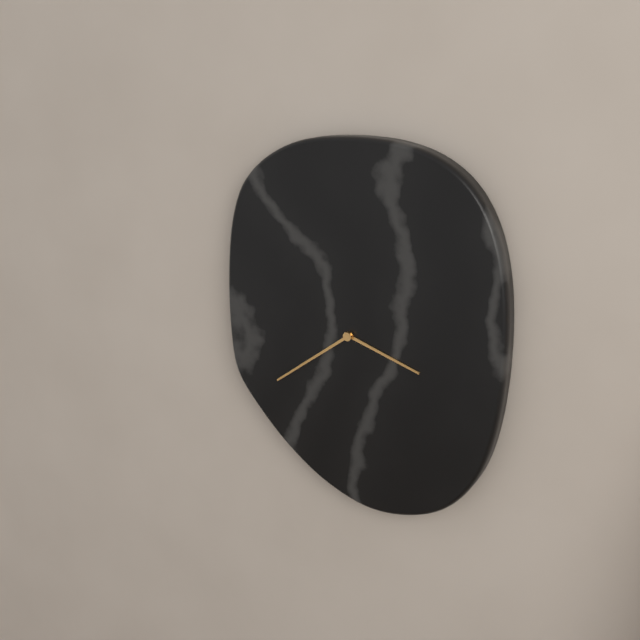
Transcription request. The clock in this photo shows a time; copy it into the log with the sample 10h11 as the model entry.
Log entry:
3h39
